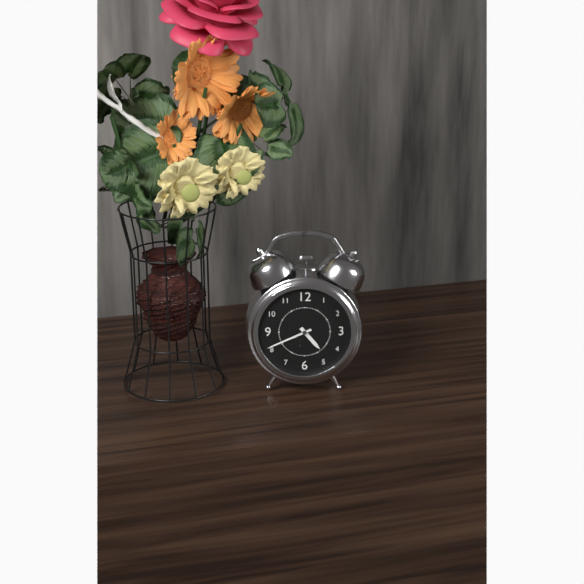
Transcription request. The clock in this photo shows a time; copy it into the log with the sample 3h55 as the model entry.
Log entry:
4h41
